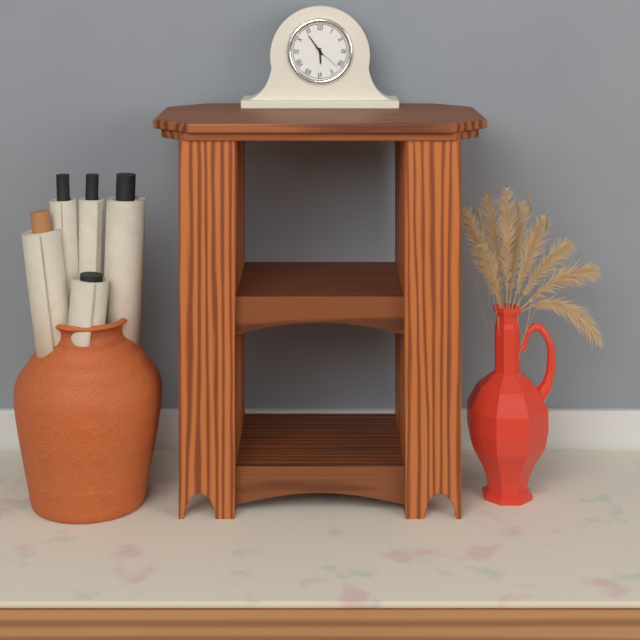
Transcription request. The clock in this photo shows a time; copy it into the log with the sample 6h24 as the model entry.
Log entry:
5h54
